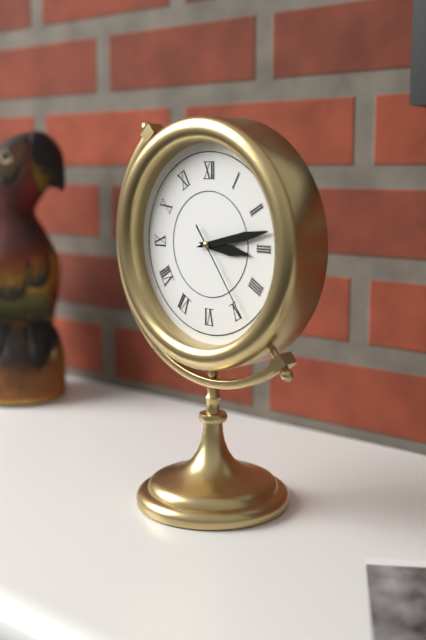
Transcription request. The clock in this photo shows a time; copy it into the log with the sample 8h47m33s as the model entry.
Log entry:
3h13m24s
